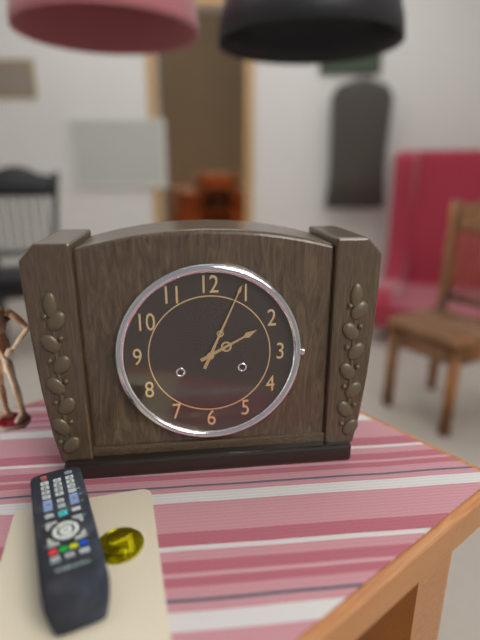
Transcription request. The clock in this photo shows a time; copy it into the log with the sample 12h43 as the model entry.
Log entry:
2h04
